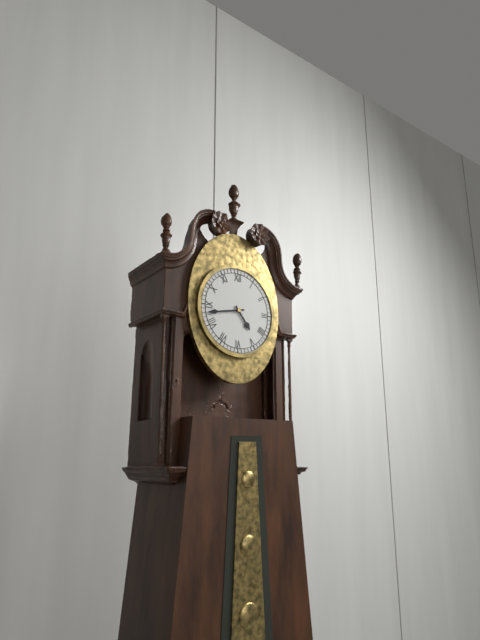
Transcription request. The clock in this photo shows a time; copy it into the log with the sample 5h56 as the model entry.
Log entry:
4h43
